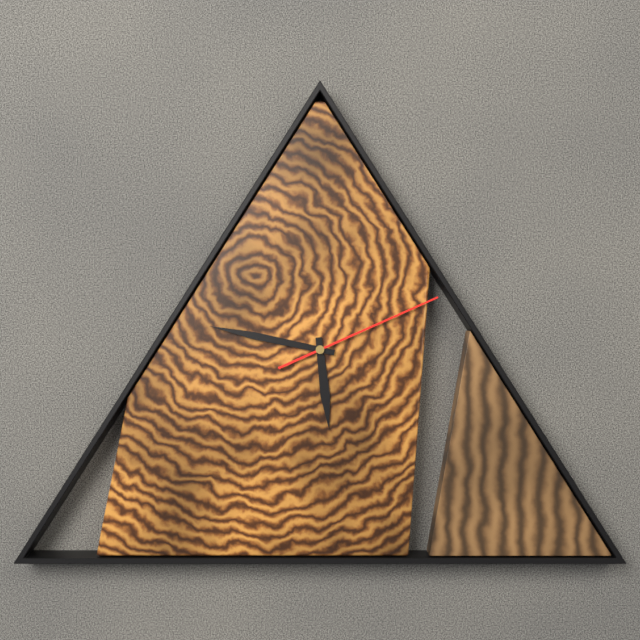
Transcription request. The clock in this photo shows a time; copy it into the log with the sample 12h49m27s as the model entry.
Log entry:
5h47m11s
